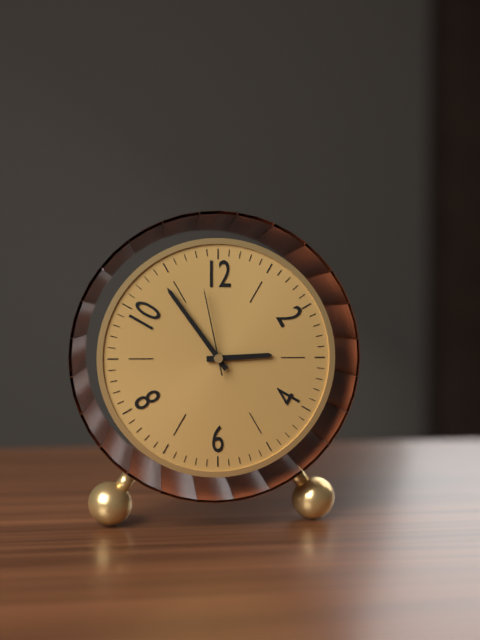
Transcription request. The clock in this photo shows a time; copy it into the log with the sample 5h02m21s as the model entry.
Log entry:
2h54m58s
